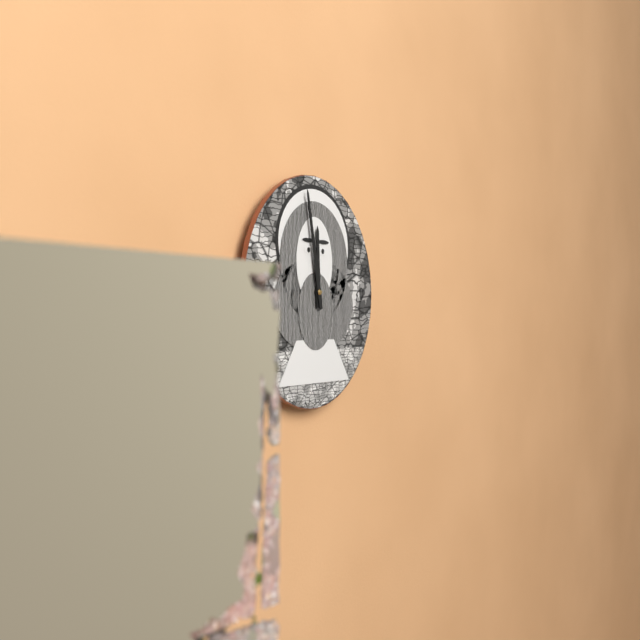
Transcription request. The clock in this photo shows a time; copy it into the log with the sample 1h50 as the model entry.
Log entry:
11h58
